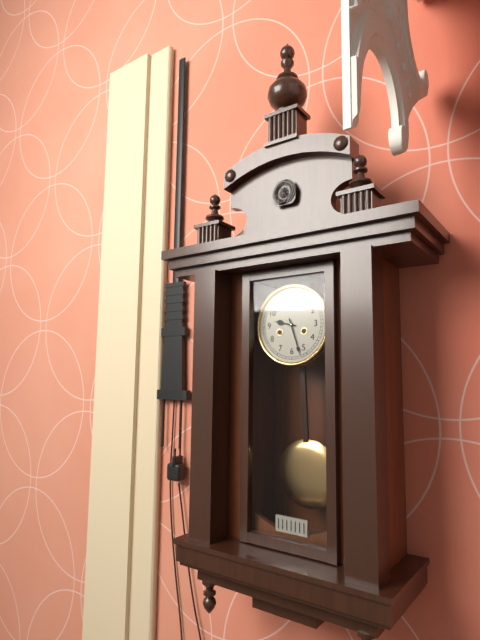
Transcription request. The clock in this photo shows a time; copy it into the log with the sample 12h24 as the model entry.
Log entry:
9h27
